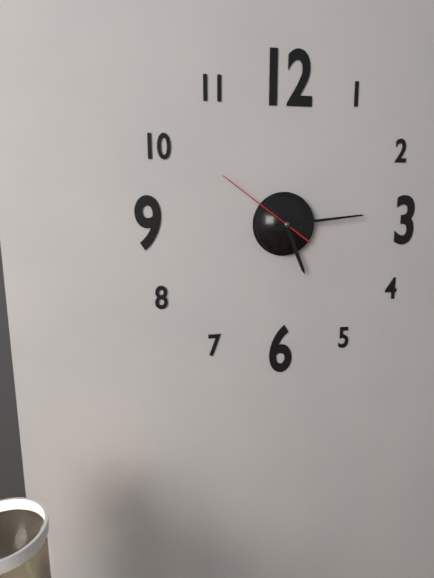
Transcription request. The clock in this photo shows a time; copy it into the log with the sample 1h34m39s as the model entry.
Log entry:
5h14m51s
